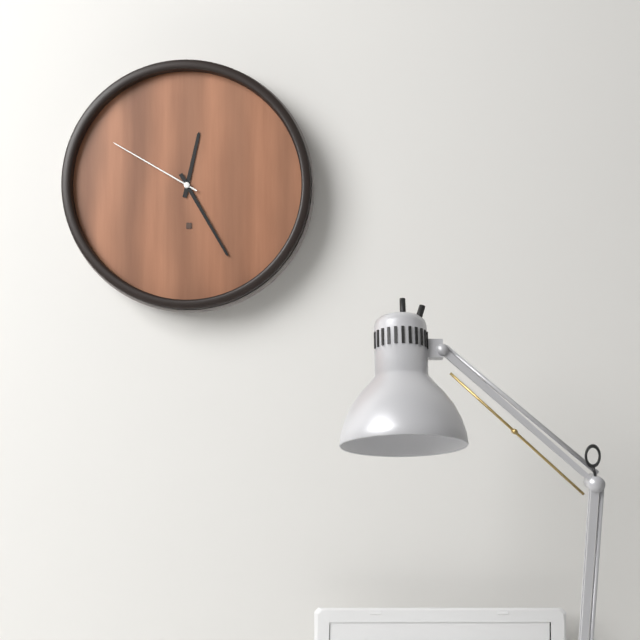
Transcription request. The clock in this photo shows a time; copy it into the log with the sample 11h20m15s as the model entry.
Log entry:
12h25m50s
